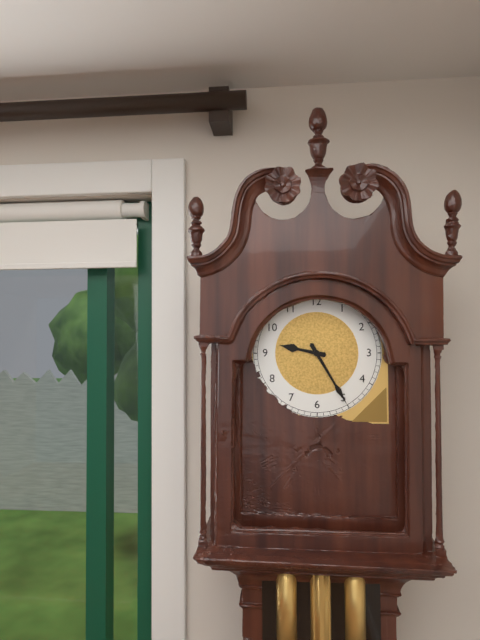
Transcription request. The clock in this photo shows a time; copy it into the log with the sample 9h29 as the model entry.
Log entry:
9h25
